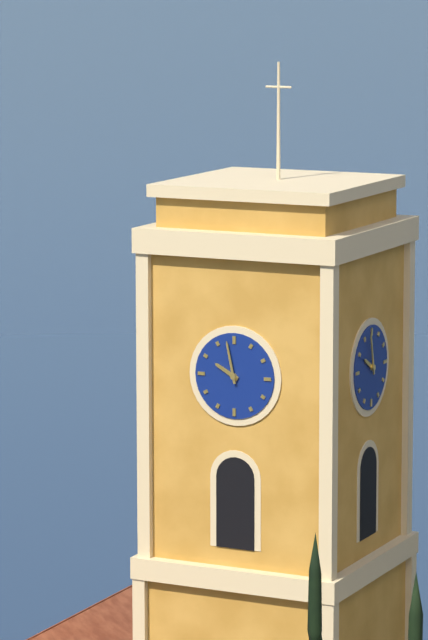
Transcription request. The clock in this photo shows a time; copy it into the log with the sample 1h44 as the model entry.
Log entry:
9h58
